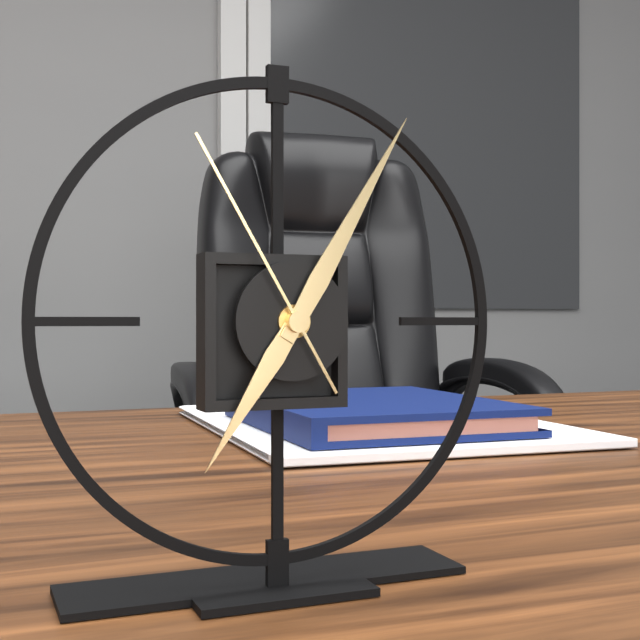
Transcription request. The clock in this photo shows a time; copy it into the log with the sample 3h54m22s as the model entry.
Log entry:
7h05m55s
